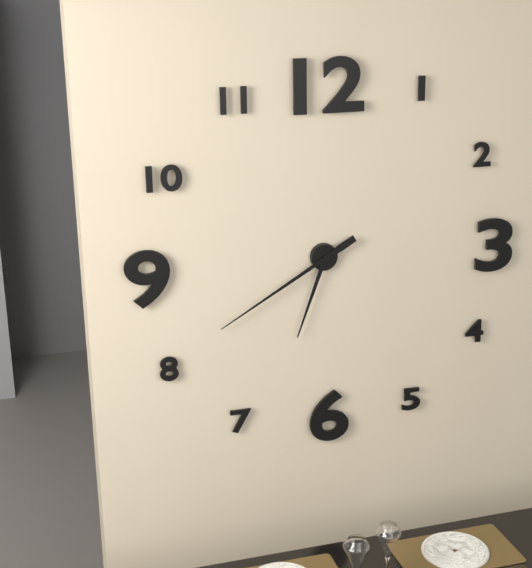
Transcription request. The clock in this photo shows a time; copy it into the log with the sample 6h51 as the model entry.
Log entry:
6h40
